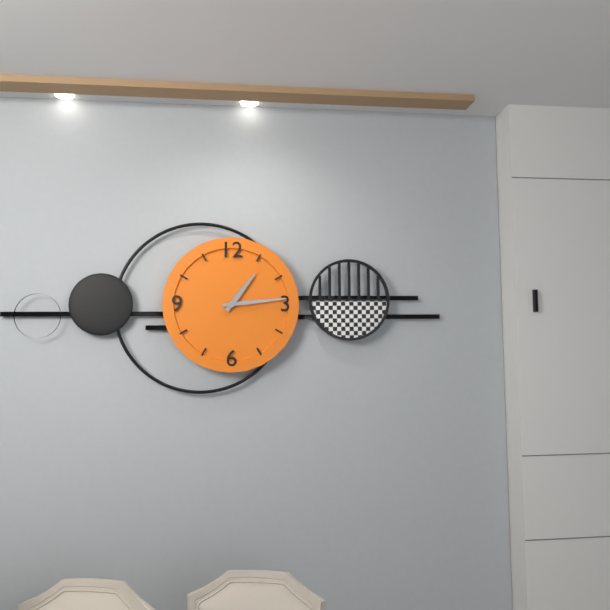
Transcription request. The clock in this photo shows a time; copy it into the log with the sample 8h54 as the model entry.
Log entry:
1h14
